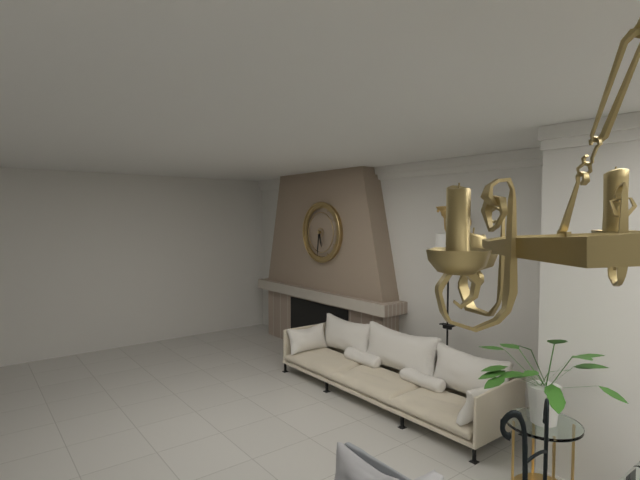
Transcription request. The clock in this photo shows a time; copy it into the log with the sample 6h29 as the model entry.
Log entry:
5h31
